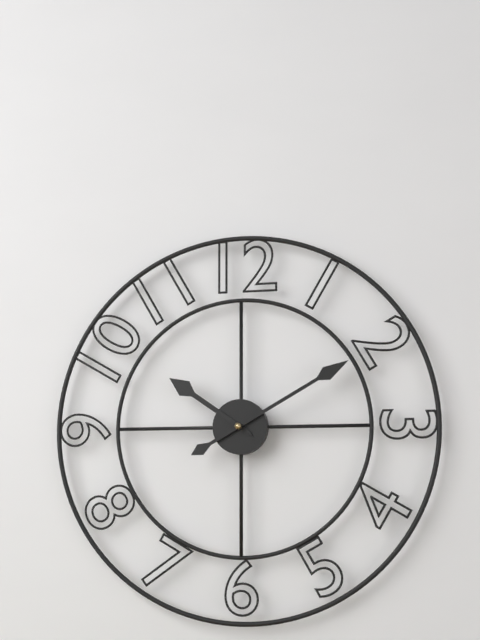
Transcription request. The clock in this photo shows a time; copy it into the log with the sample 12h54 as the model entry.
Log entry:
10h10
